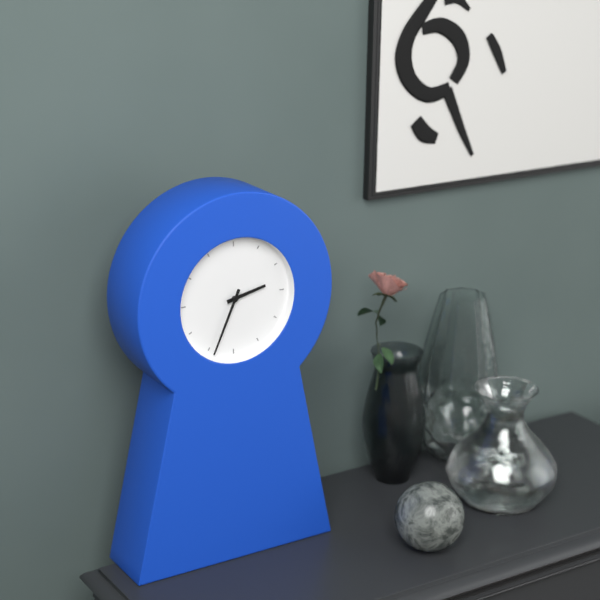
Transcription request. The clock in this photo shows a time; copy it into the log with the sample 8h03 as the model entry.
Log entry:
2h34
